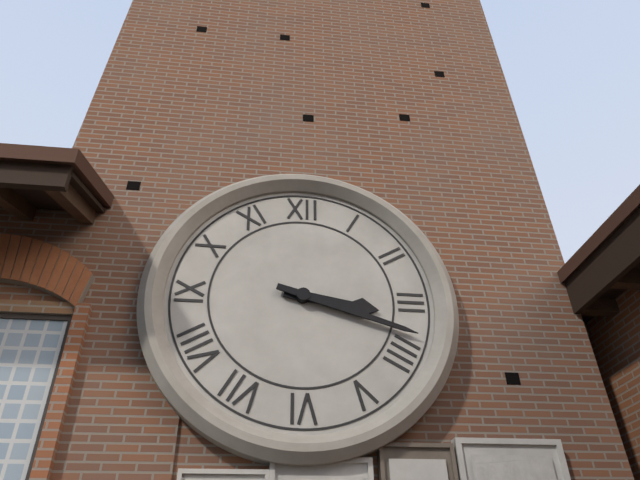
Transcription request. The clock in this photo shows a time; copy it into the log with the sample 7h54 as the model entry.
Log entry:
3h18
